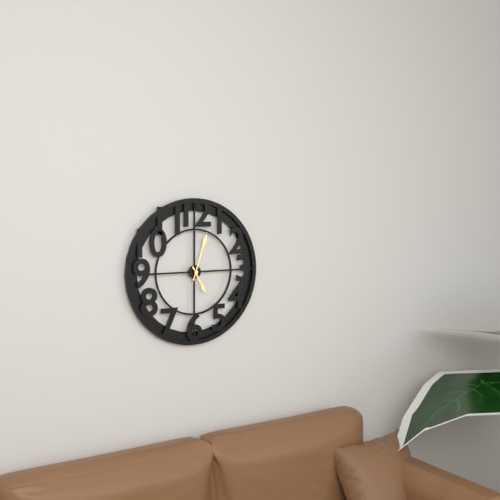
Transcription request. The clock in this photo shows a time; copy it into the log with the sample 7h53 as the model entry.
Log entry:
5h03
